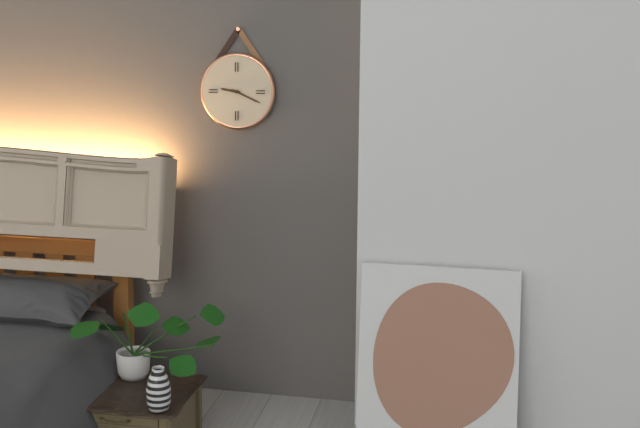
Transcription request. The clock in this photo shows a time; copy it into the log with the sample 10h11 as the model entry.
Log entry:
9h19
